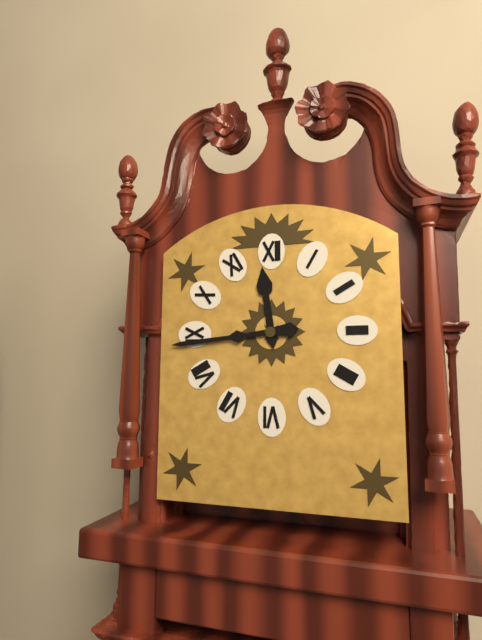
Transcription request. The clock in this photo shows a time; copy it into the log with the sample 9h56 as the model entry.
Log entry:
11h44
